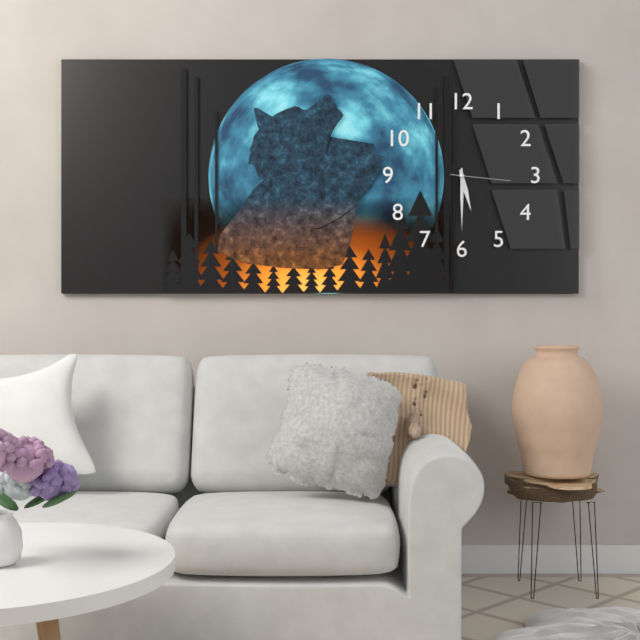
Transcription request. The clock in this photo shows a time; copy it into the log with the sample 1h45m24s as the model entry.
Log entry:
5h30m16s
